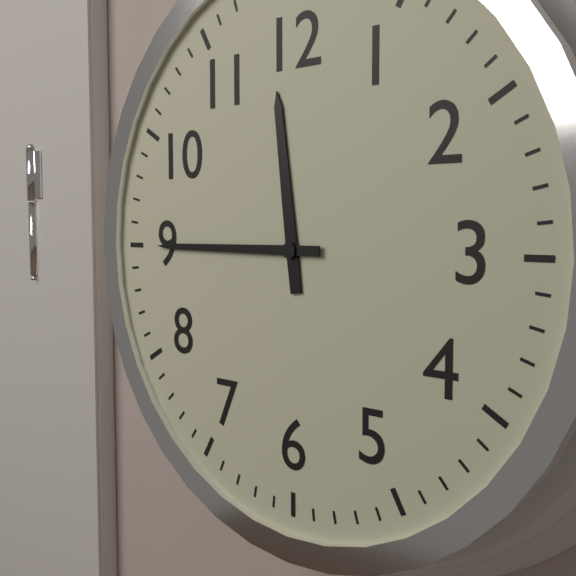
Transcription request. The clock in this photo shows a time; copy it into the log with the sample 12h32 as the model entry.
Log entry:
11h45
